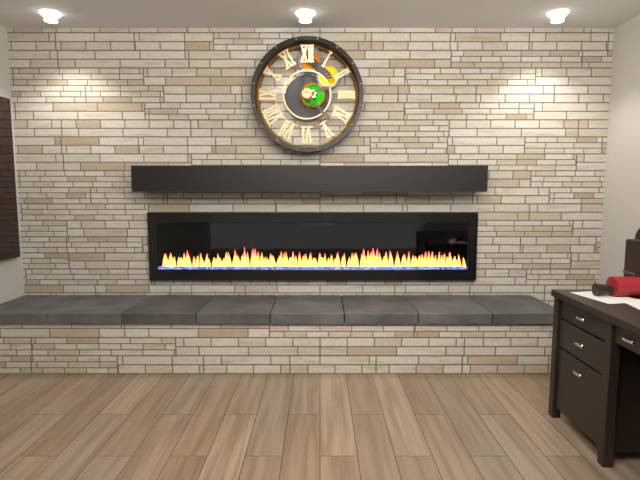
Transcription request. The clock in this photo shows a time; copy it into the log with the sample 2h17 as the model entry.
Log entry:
2h23
